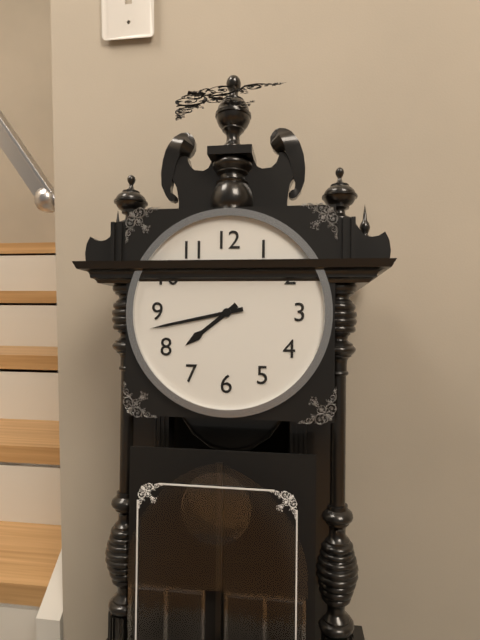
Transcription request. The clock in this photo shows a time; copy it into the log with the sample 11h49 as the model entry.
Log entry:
7h43
